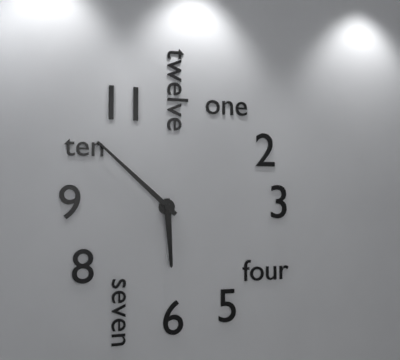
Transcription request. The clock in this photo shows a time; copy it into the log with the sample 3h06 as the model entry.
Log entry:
5h52
